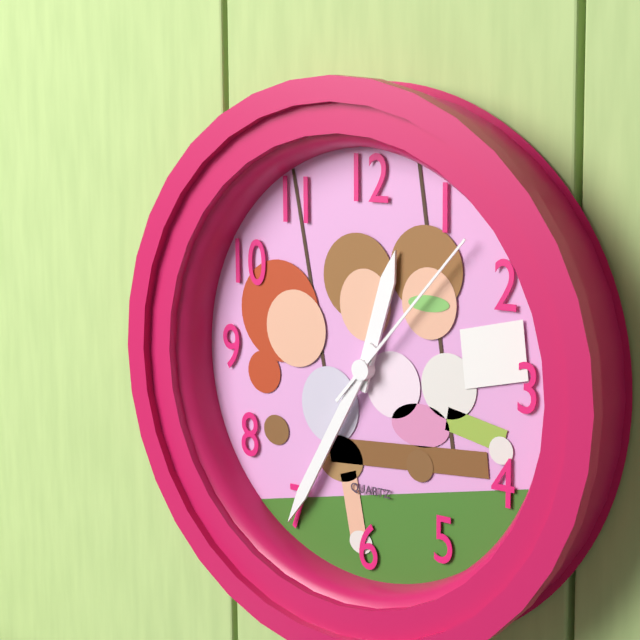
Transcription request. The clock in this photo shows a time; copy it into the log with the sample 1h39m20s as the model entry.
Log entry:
12h35m07s
